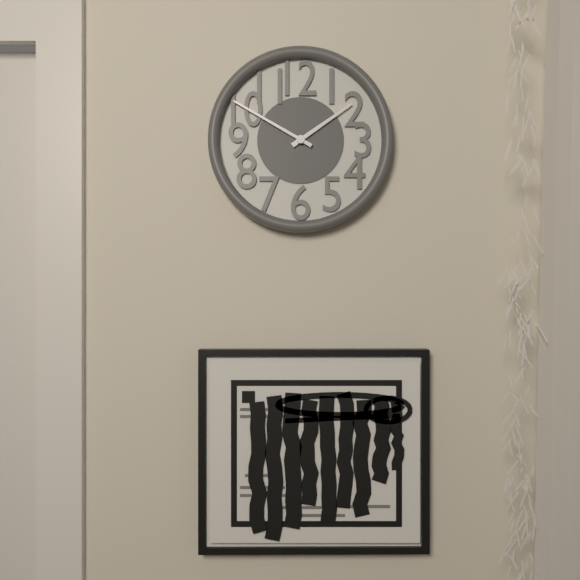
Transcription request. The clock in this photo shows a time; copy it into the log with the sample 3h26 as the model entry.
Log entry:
1h50
